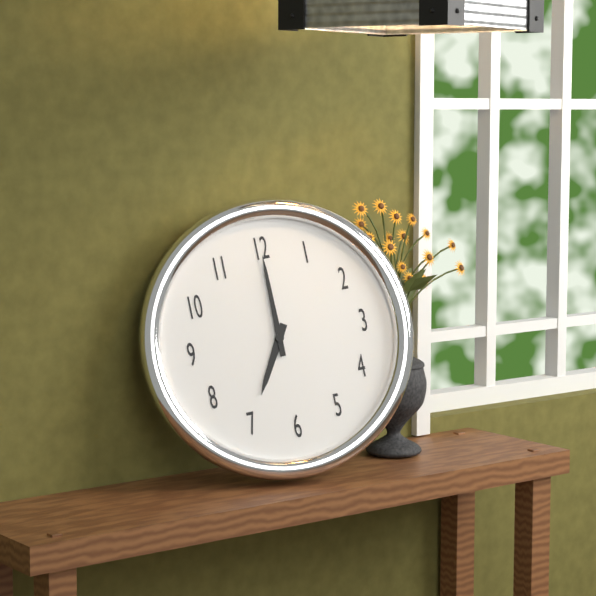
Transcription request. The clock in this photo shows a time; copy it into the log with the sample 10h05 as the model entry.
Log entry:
7h00
